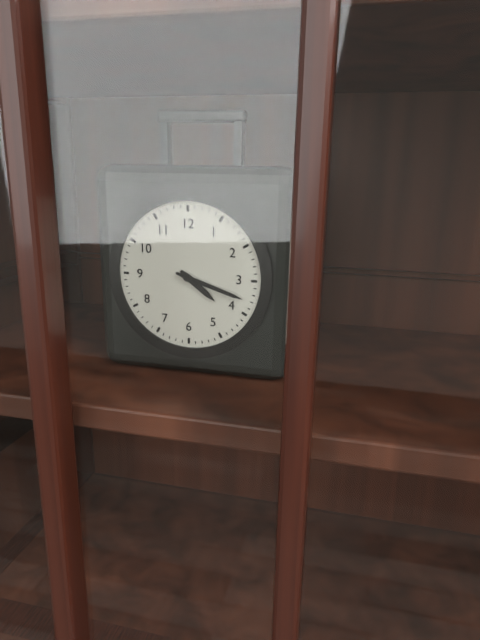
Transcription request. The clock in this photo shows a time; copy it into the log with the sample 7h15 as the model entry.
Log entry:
4h18
